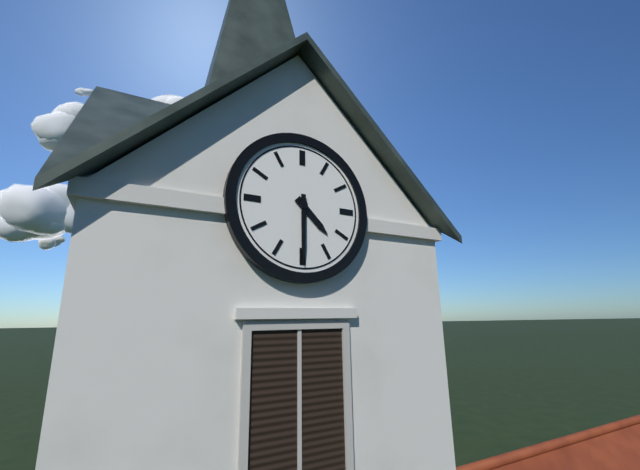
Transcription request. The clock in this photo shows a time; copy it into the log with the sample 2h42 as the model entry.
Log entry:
4h30
